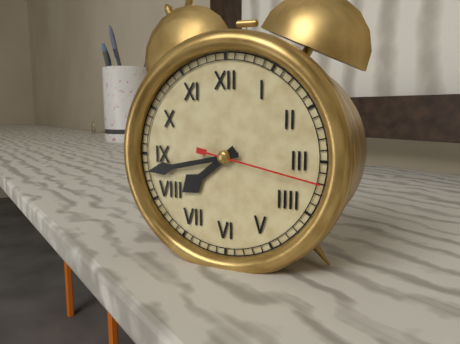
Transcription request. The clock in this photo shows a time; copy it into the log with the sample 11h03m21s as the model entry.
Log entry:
7h43m17s
